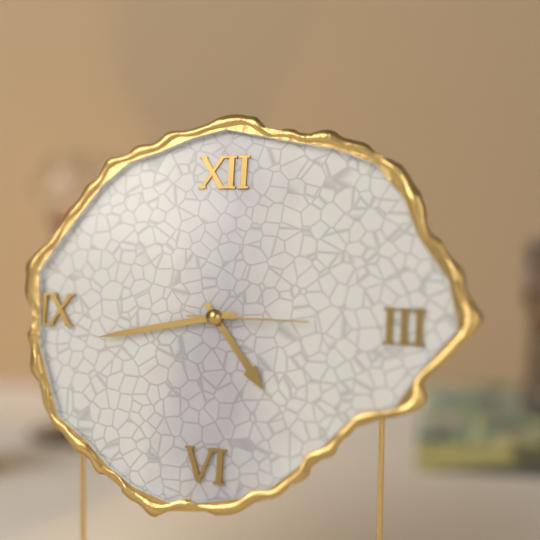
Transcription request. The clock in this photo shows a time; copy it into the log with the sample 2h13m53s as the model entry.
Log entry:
4h43m15s
